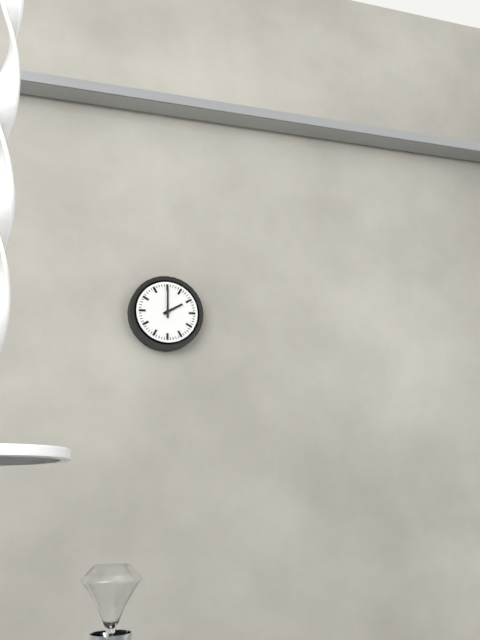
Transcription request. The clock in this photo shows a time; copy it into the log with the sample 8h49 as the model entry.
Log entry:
2h00
